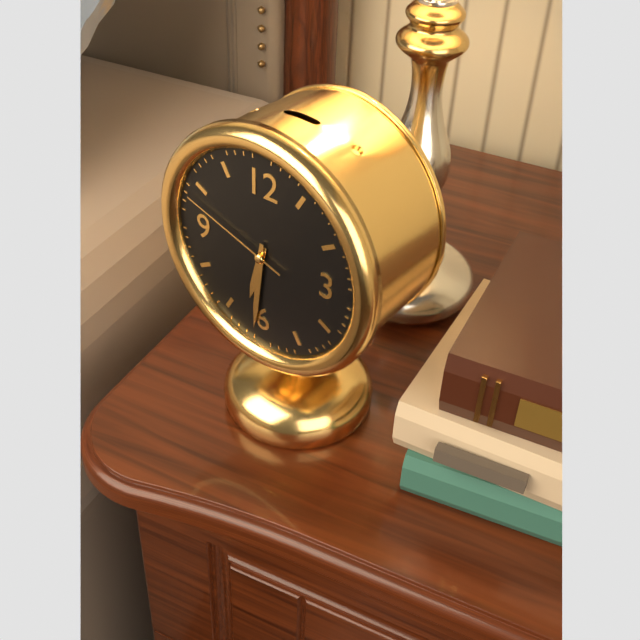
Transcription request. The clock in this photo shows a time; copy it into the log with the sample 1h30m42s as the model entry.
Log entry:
6h31m48s
